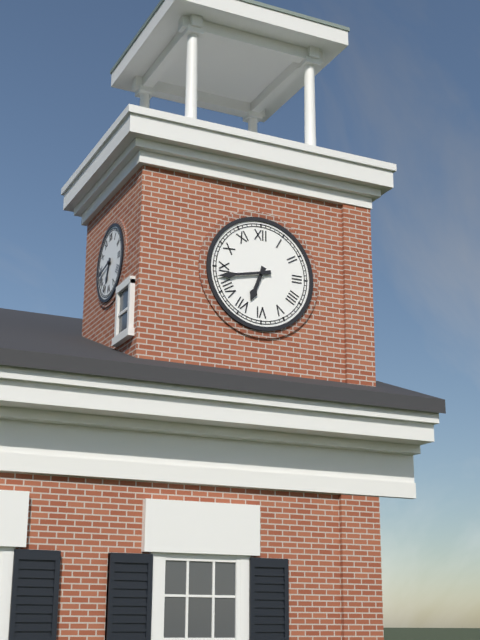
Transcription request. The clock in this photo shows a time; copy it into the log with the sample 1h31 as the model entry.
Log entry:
6h43
